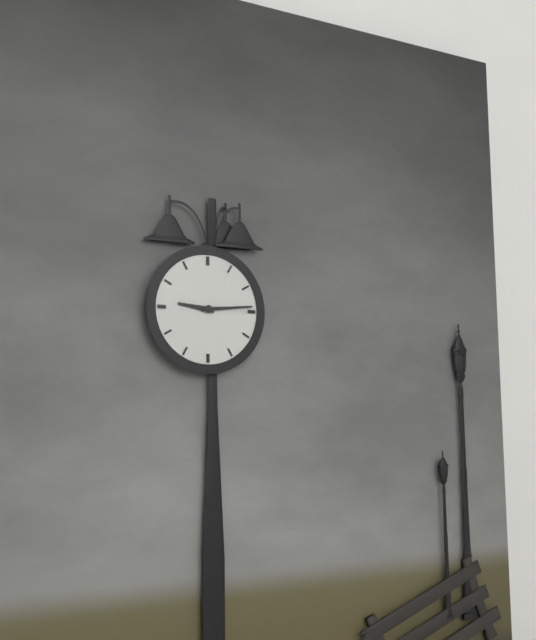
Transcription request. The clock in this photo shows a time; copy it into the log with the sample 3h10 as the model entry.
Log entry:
9h14
